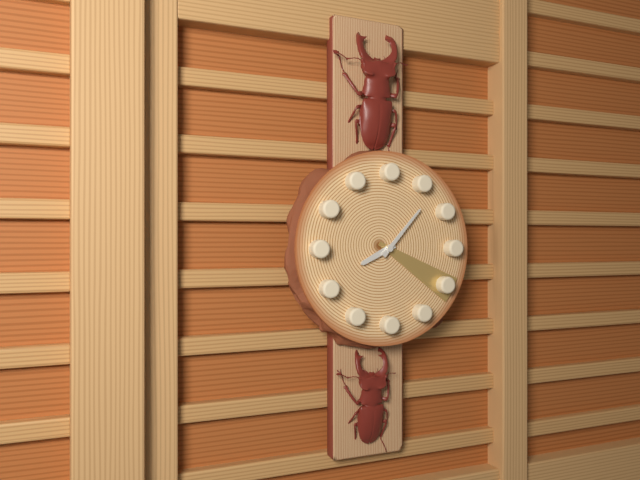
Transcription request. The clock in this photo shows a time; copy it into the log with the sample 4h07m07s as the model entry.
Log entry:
8h07m20s
